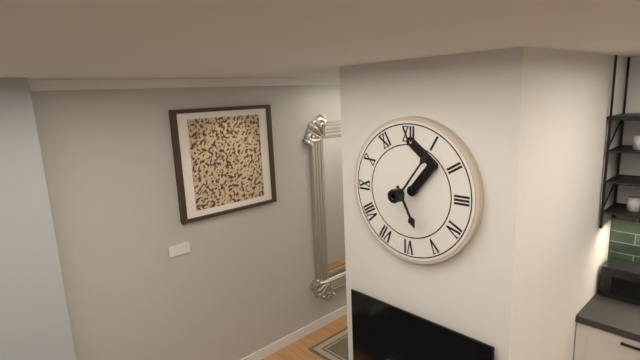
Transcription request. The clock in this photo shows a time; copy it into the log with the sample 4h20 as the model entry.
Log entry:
5h06
